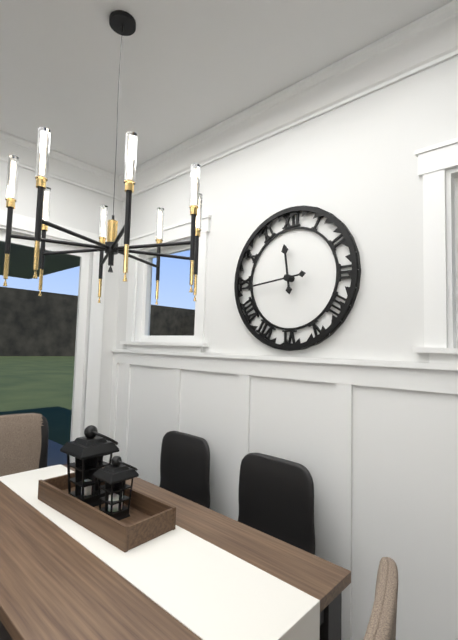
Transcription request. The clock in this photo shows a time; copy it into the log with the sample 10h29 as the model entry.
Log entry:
11h44
